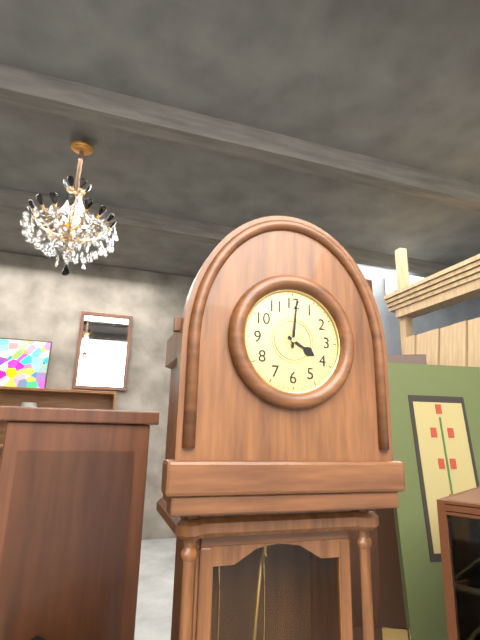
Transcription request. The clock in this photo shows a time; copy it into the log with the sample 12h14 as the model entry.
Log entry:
4h01
